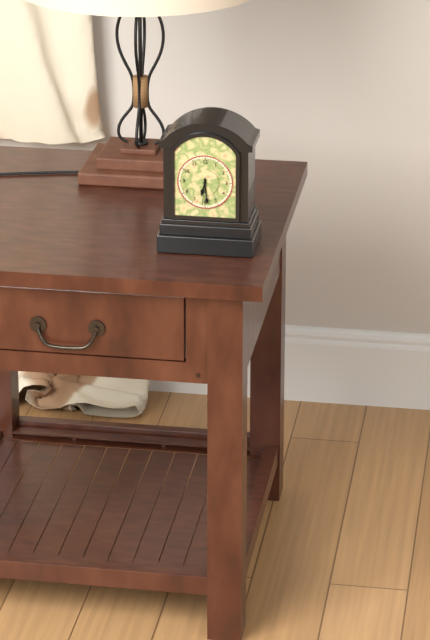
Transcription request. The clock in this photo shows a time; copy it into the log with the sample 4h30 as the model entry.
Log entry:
6h29
